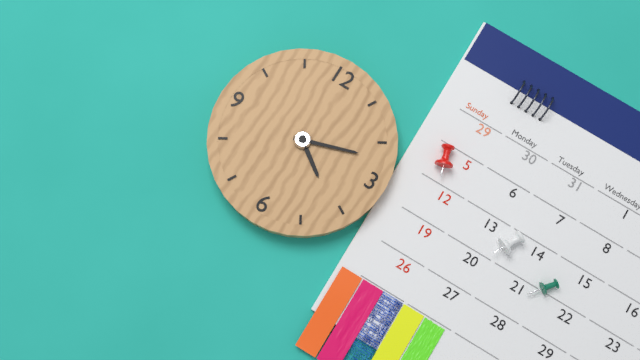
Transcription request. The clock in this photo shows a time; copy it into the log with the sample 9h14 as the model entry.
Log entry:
4h12
